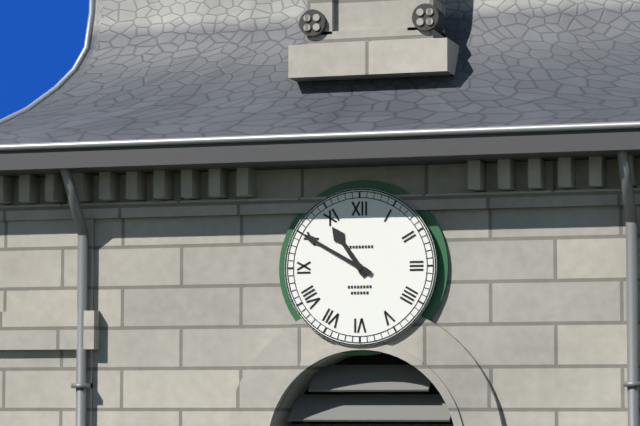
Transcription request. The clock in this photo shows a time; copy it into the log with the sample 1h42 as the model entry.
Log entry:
10h50
